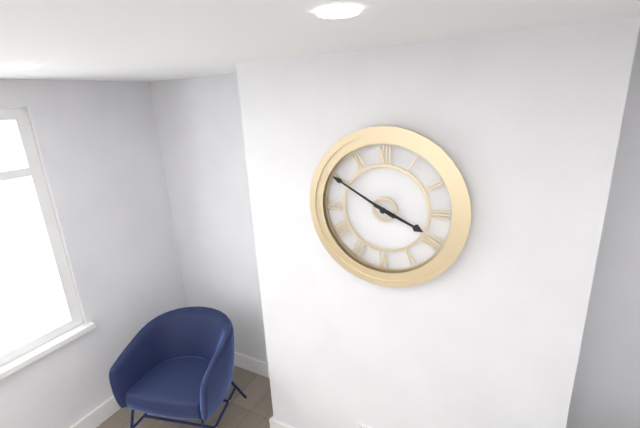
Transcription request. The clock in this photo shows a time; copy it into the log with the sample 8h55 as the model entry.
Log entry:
3h50
